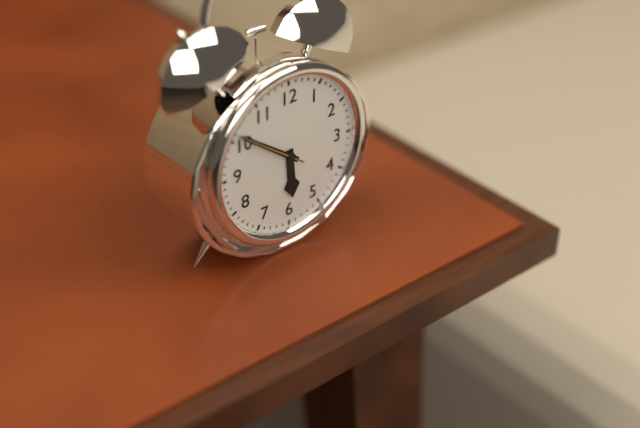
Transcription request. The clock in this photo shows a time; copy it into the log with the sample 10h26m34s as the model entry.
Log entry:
5h51m51s
